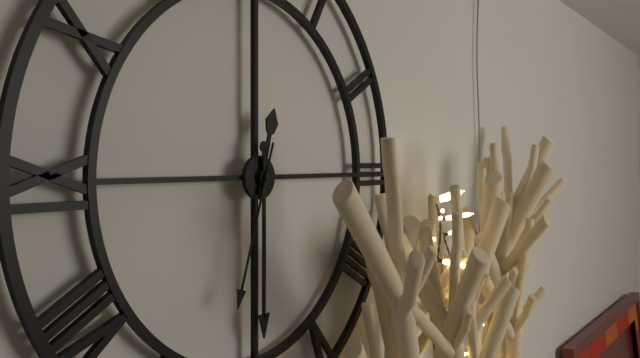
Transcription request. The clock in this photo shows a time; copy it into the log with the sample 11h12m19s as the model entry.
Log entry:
12h30m33s
